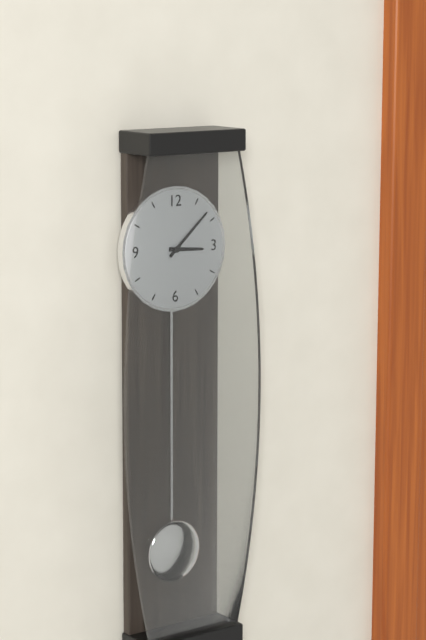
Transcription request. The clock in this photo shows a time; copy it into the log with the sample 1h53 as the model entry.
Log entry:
3h08
